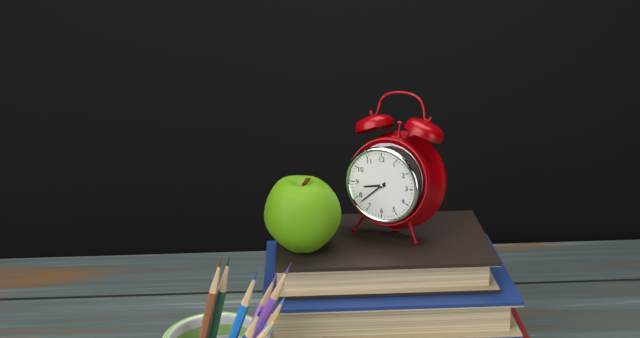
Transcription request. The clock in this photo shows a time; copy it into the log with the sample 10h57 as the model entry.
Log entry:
8h38
